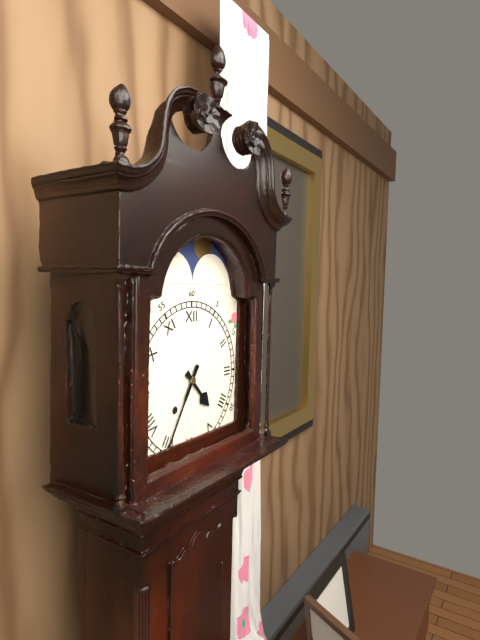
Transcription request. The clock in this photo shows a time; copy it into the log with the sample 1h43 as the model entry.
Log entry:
4h35
